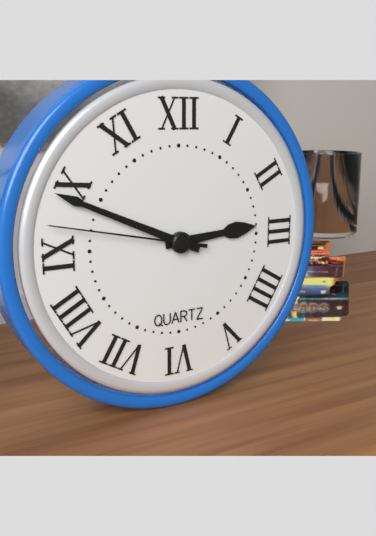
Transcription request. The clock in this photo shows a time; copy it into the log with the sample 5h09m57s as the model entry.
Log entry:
2h49m47s
